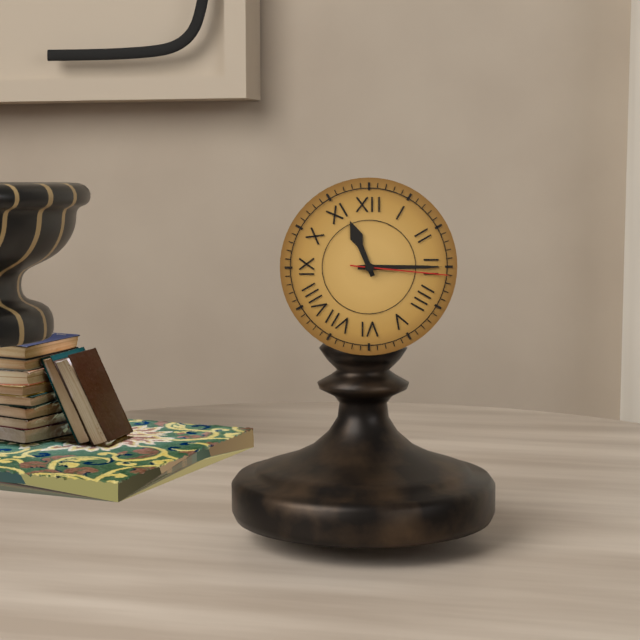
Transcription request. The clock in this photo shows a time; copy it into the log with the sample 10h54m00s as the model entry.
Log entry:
11h15m16s
